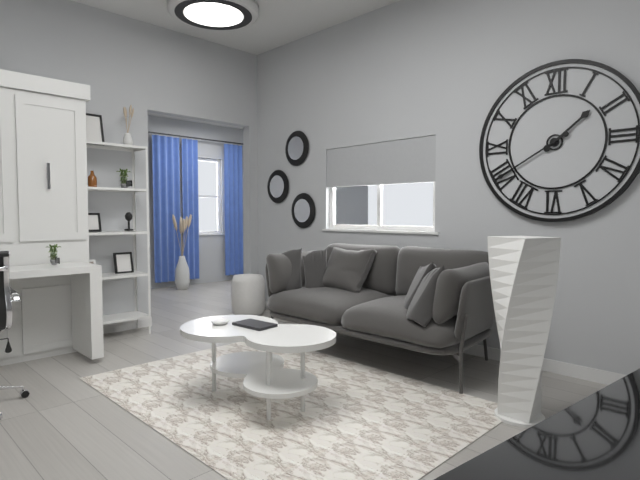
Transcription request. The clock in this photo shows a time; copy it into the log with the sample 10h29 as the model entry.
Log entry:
1h40
